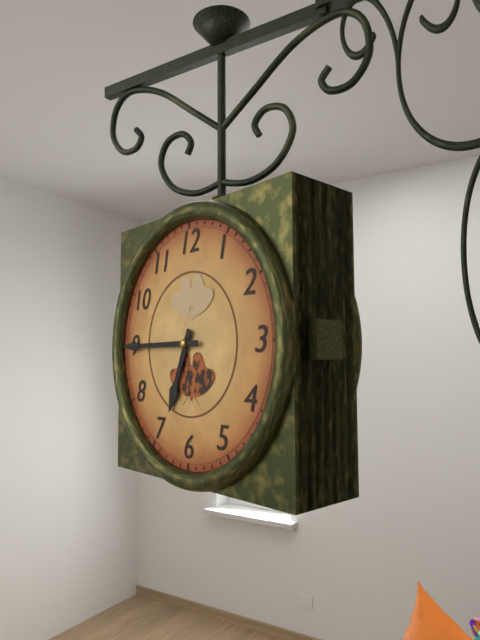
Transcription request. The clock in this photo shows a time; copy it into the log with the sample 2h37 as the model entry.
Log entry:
6h45
